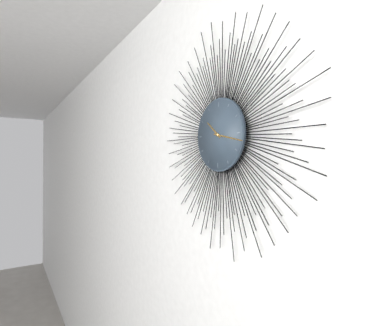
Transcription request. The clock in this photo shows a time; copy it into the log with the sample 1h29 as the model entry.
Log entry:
10h17
